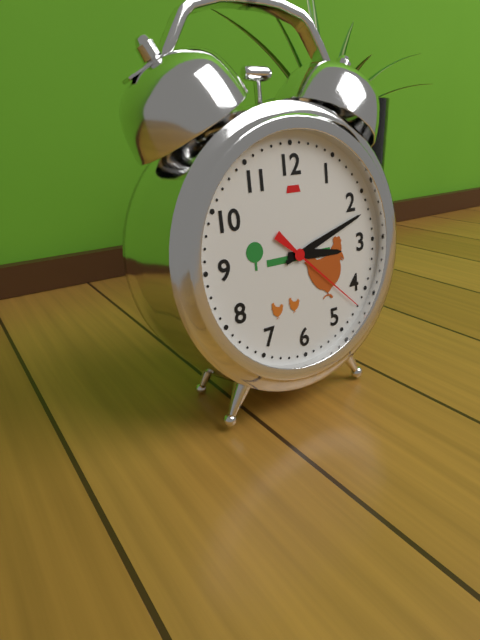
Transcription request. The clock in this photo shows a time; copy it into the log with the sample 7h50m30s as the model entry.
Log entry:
3h12m22s
